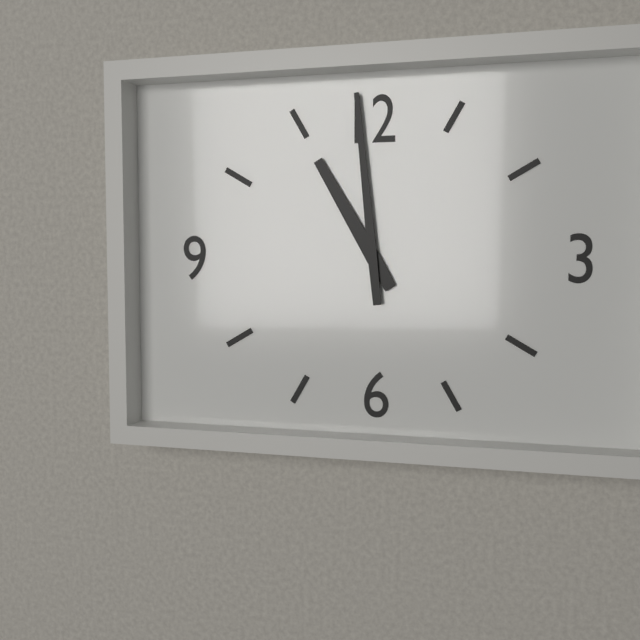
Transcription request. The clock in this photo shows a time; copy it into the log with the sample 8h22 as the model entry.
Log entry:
10h59
